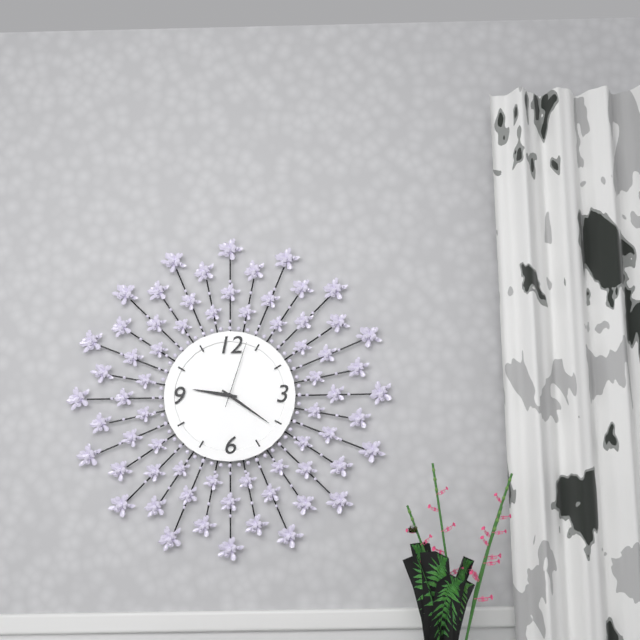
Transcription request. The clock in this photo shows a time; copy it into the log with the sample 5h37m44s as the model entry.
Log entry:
9h21m03s
